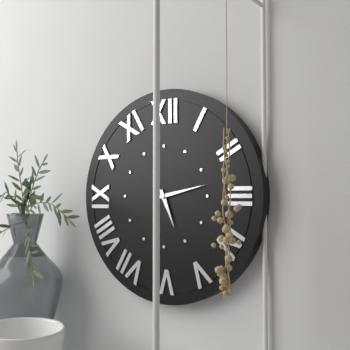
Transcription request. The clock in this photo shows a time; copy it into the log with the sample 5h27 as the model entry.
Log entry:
5h13
